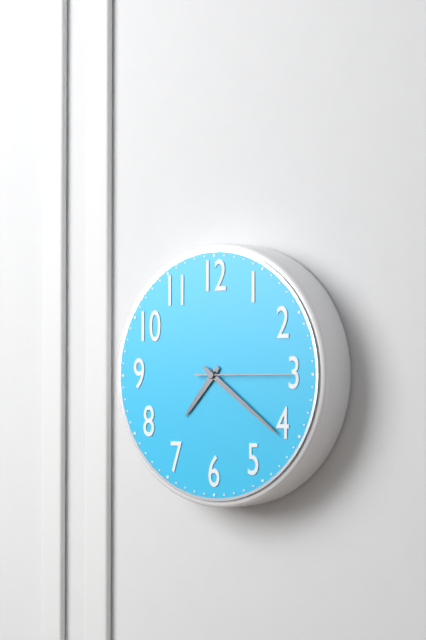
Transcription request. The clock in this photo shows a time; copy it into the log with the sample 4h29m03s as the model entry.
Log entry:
7h21m15s
